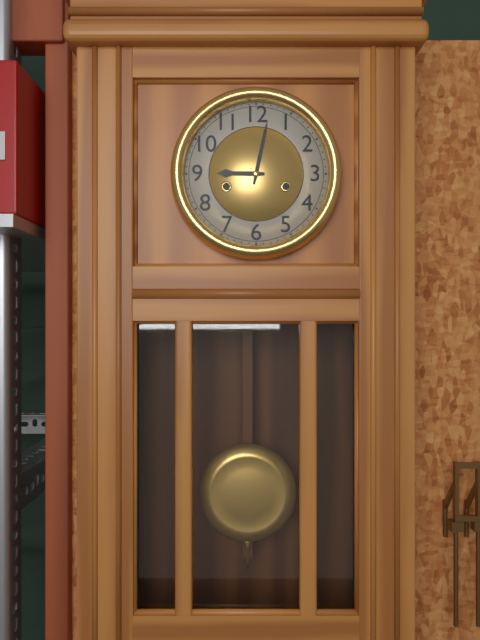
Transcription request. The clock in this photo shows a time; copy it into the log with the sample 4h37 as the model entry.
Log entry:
9h02
